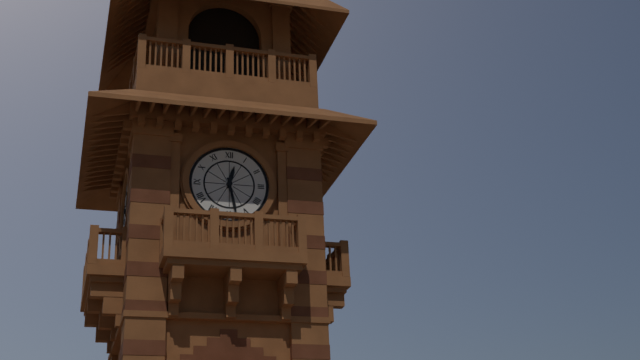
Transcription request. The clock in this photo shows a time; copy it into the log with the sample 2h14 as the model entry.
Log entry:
12h28
